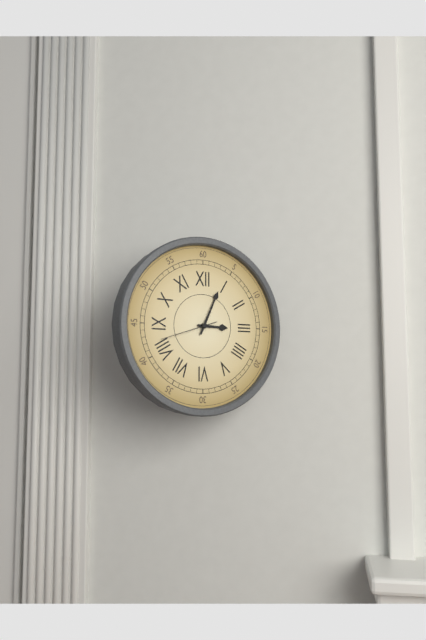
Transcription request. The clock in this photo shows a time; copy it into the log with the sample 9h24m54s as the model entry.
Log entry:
3h04m42s
